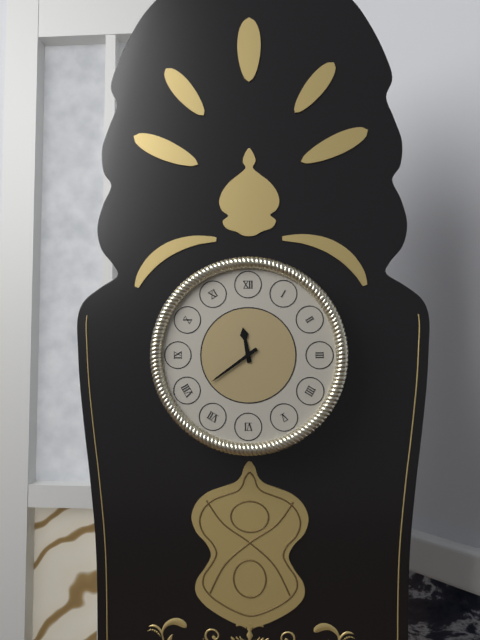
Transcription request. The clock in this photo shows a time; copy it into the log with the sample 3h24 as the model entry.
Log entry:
11h39
